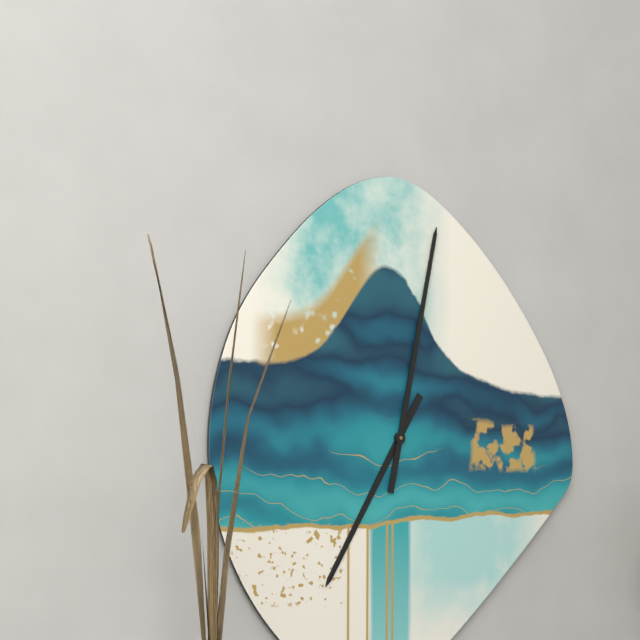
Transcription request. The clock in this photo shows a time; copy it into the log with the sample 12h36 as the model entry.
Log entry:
7h02
